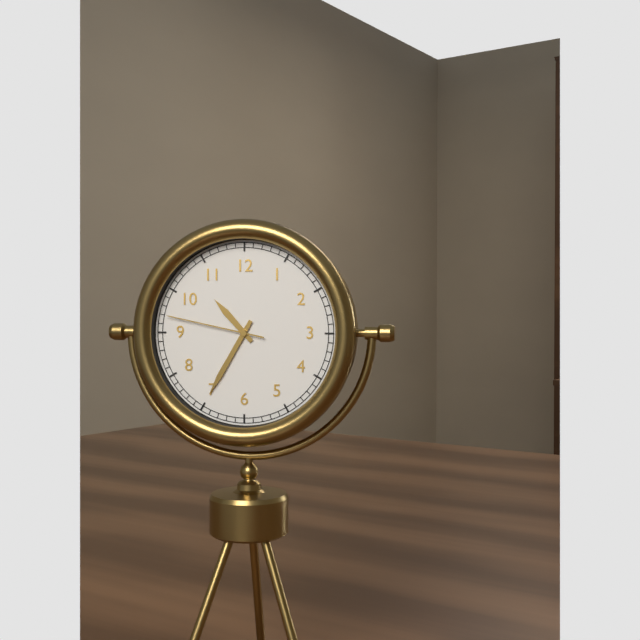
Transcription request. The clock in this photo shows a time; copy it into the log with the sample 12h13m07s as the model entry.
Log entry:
10h35m47s
